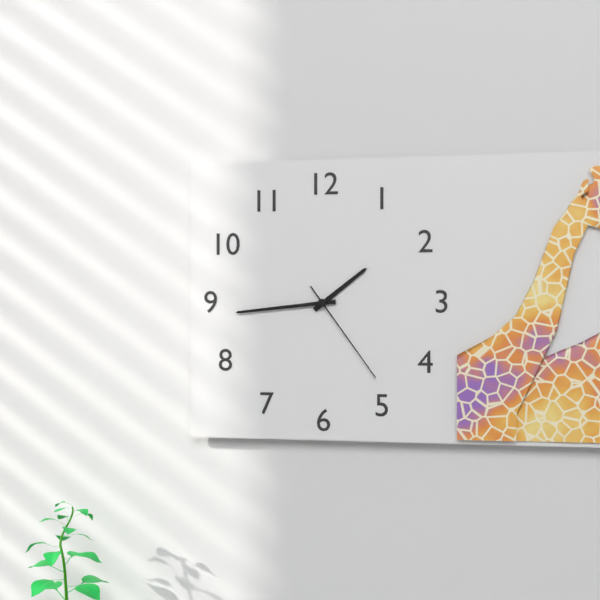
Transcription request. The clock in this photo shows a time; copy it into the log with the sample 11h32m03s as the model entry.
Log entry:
1h44m24s
